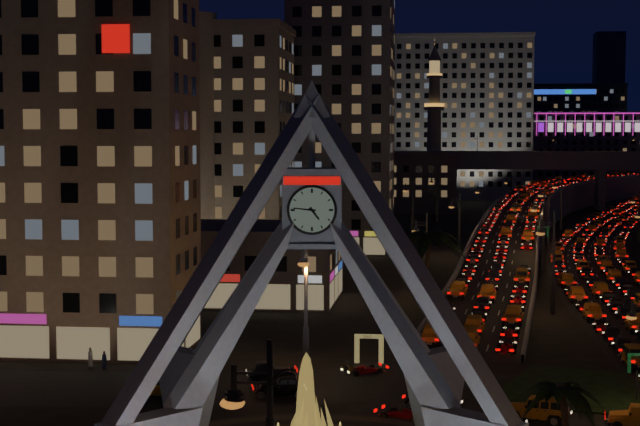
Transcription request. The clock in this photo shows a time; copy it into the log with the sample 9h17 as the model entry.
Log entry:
4h46
